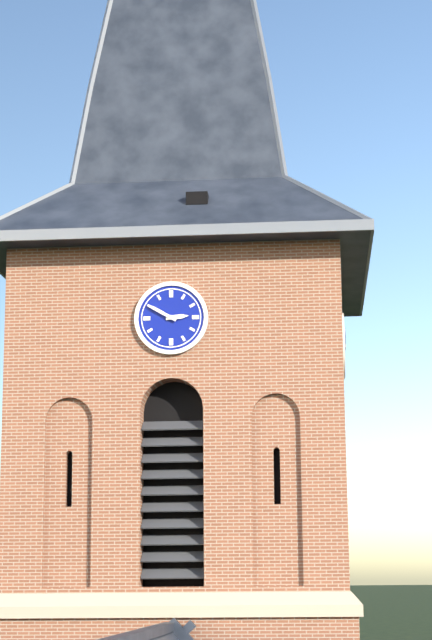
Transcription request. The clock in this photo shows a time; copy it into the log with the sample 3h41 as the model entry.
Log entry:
2h50
